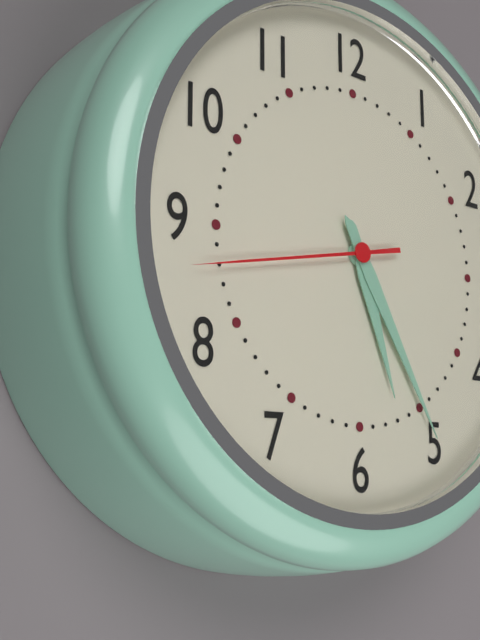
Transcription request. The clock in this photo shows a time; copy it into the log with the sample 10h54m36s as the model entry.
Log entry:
5h25m43s
